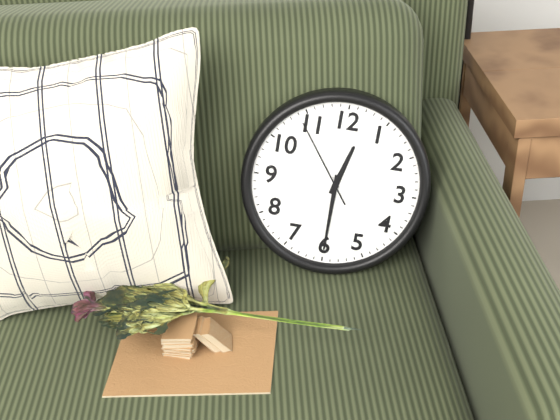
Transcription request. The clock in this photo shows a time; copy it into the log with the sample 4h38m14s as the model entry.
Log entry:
12h30m54s
